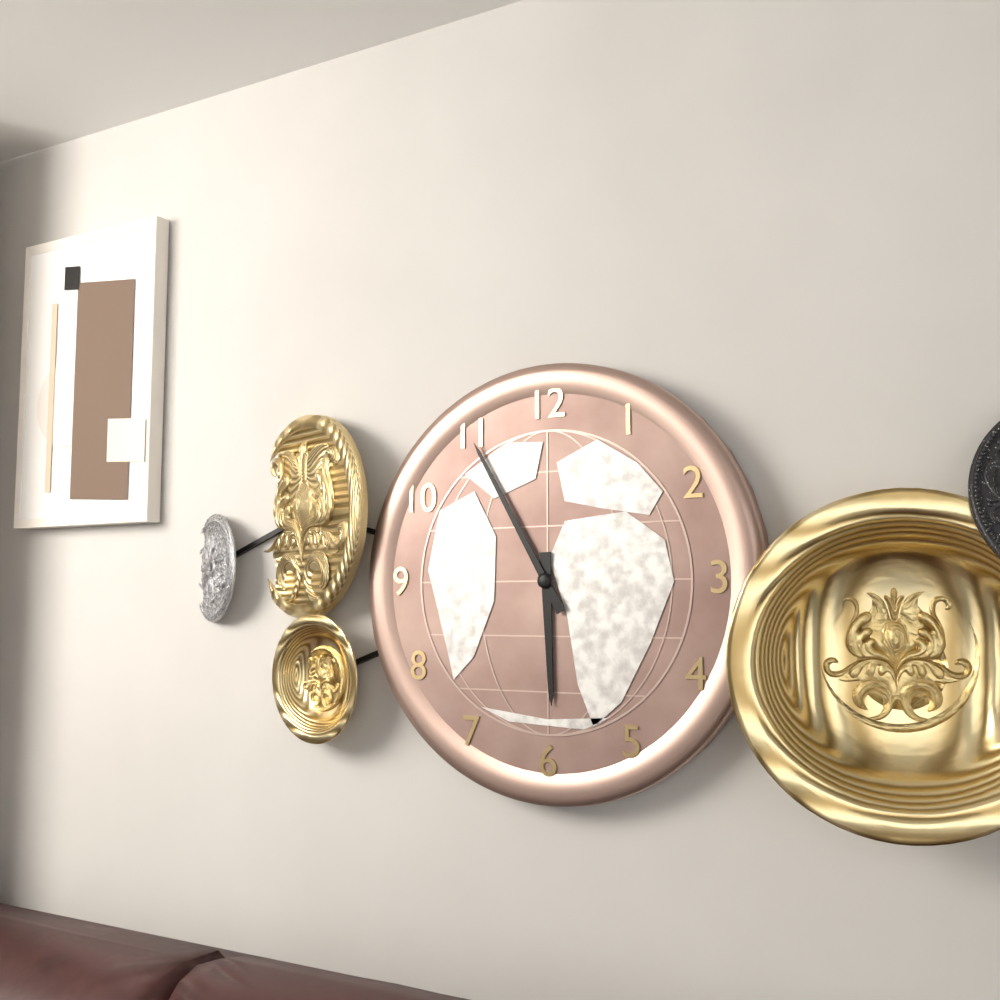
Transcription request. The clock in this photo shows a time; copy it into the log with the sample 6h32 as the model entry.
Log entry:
5h55
